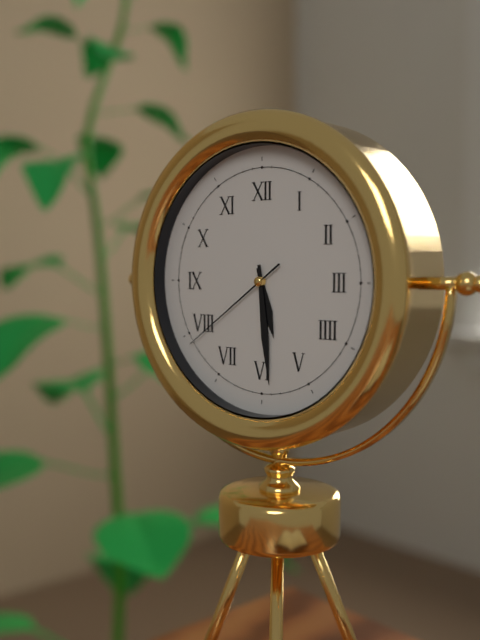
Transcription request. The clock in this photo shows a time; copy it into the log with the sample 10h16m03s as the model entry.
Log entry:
5h29m39s
